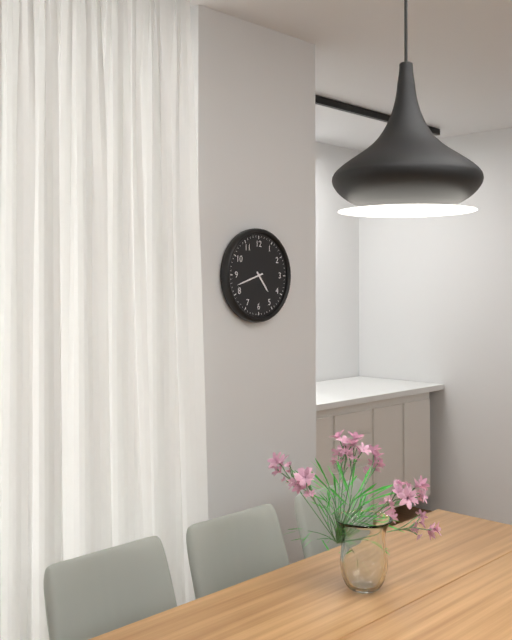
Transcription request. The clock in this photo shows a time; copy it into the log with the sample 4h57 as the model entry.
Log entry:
4h42
